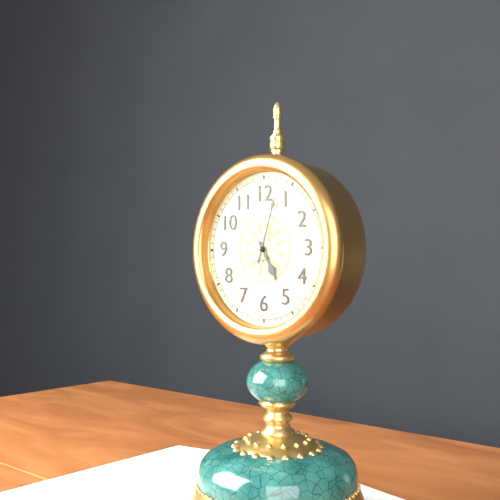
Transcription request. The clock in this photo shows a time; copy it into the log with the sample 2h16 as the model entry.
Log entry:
5h03
